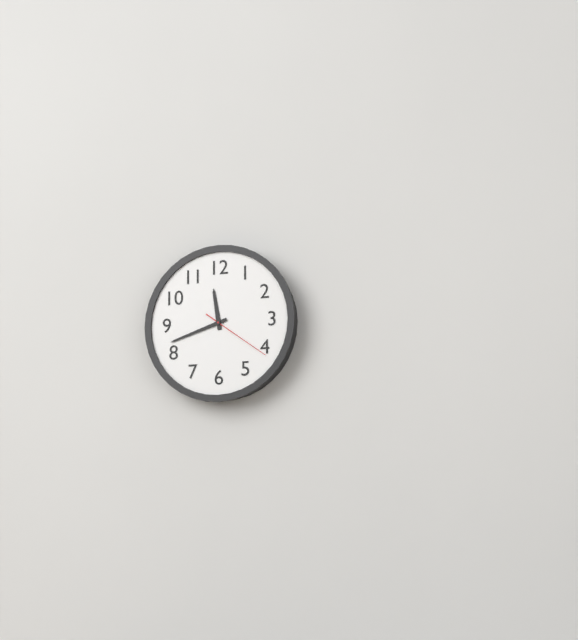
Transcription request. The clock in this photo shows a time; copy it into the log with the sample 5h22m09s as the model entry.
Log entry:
11h42m21s
